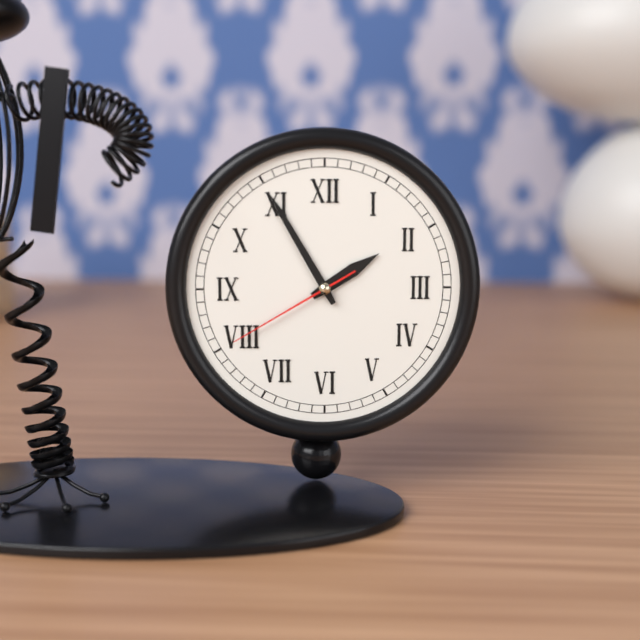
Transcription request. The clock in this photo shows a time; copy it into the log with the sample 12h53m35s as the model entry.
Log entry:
1h55m40s
